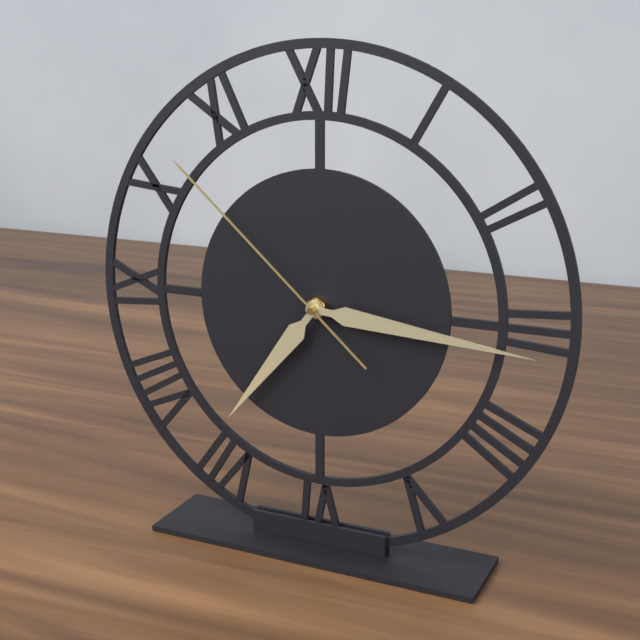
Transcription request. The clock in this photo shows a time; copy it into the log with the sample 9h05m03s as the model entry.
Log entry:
7h16m52s
